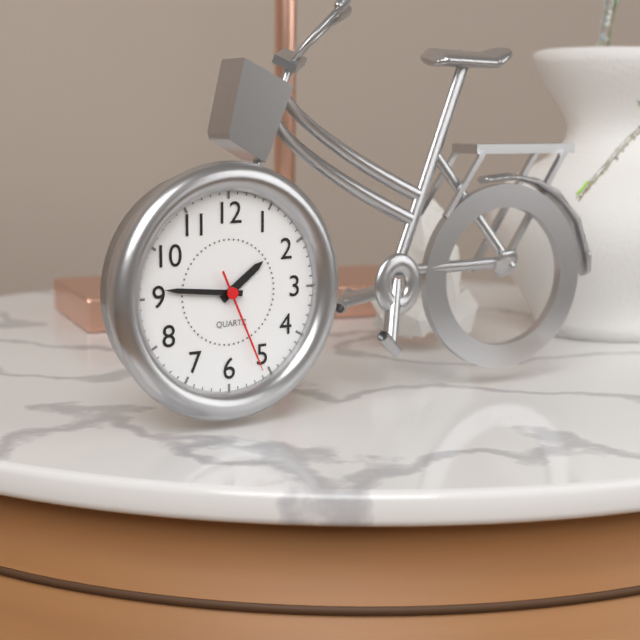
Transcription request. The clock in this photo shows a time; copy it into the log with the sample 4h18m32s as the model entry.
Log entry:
1h46m26s
